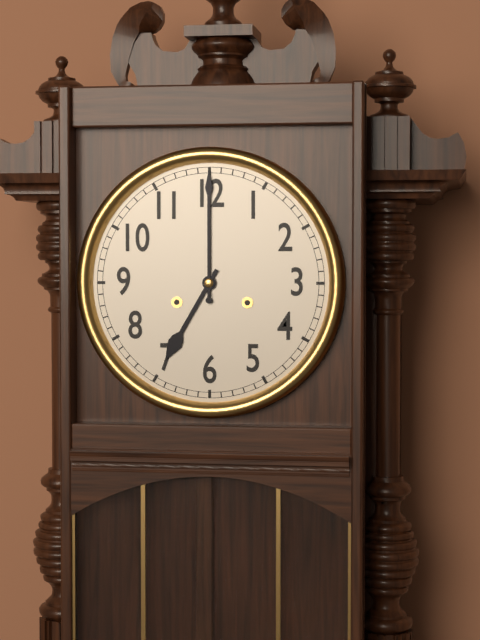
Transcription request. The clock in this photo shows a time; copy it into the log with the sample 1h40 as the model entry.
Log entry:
7h00
